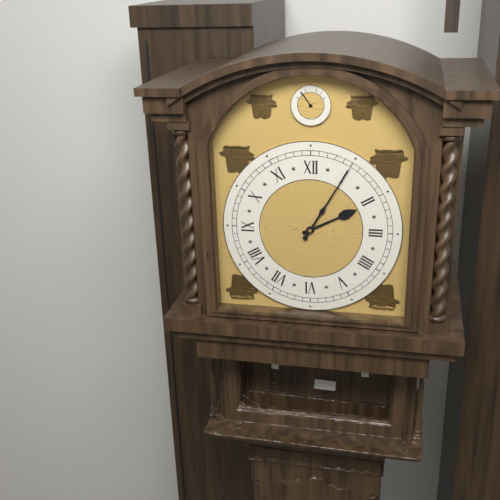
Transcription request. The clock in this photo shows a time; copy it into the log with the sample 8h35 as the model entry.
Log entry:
2h05
